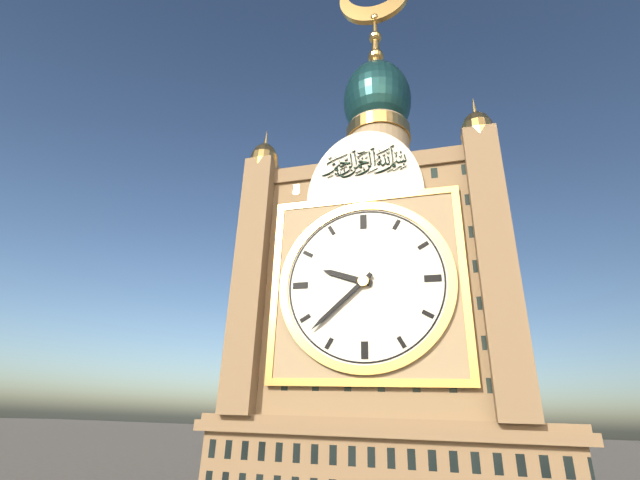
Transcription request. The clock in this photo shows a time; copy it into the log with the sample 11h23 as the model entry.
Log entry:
9h38
